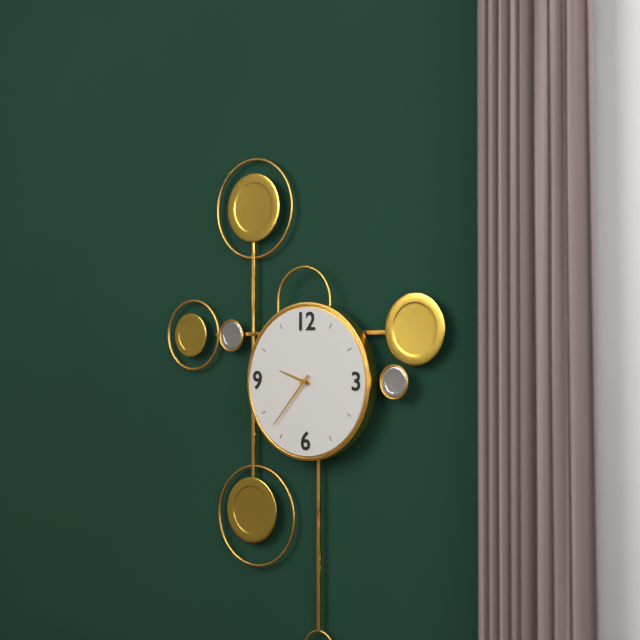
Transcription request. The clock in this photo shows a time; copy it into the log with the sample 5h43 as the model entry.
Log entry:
9h37
